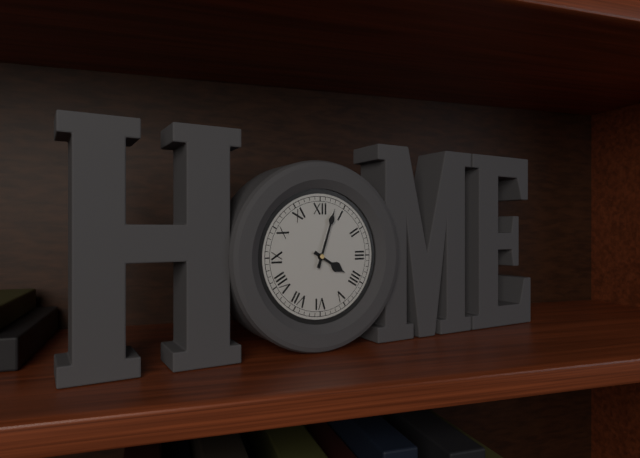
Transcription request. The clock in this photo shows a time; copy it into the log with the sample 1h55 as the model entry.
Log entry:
4h03
